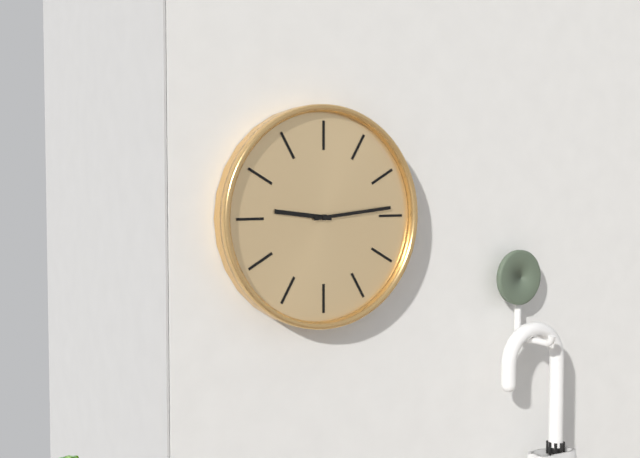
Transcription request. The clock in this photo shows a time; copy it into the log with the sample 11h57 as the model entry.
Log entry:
9h14
